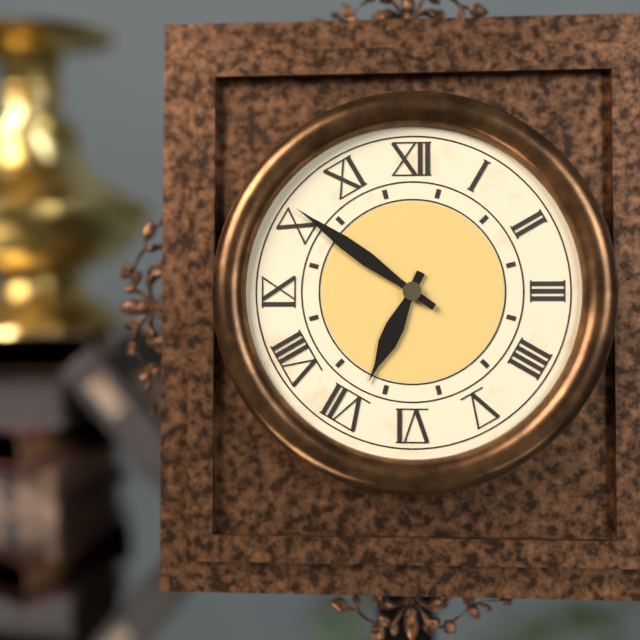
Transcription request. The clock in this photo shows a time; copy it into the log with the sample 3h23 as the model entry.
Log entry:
6h51
